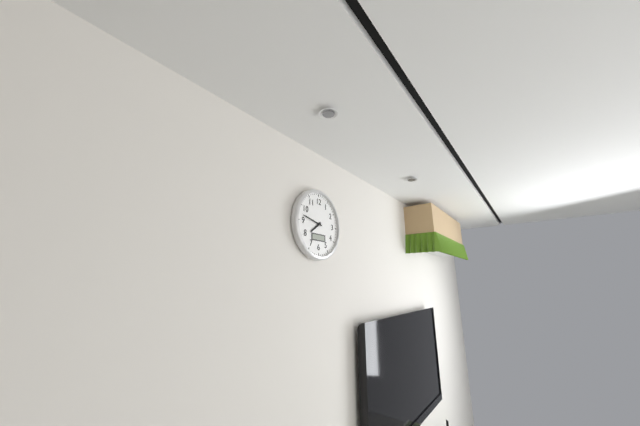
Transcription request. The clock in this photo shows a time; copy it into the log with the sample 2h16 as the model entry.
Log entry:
7h47
